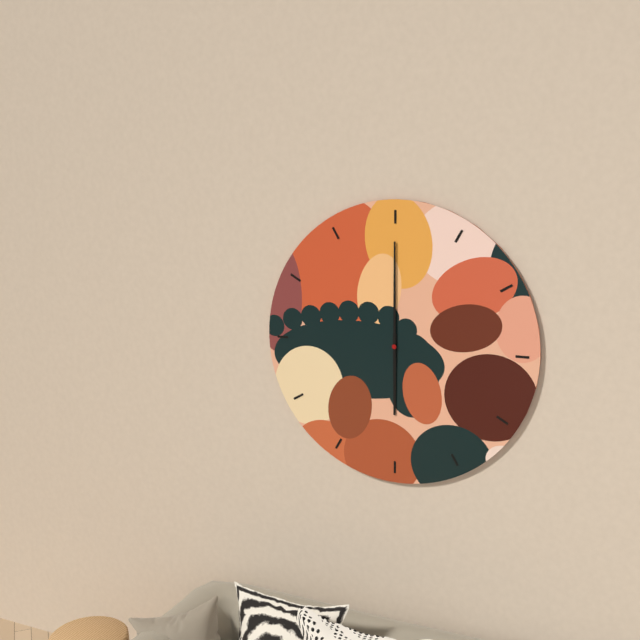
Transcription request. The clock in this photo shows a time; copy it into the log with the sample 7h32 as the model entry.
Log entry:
6h00
